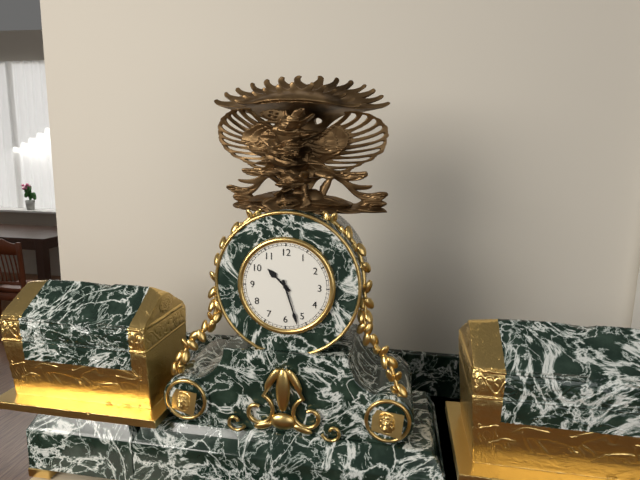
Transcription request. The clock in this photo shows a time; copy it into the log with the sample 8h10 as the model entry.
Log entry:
10h27
